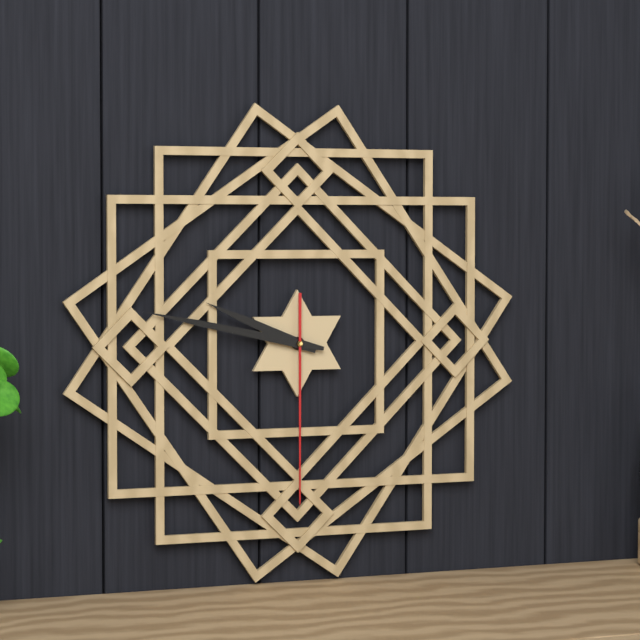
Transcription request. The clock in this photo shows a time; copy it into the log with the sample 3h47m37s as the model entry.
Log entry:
9h47m30s
